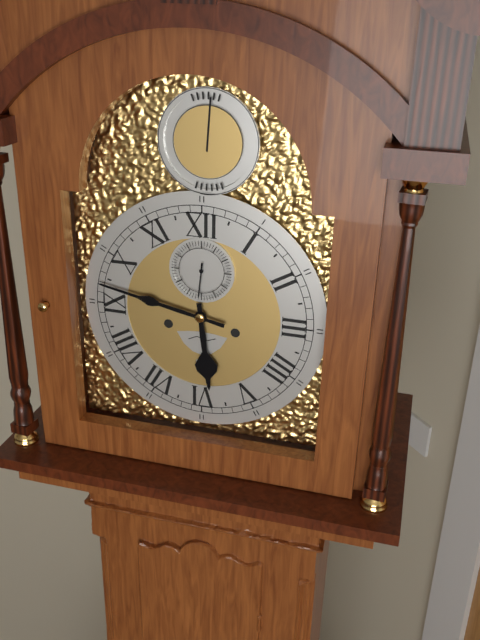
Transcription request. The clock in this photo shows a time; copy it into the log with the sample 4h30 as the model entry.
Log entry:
5h47
